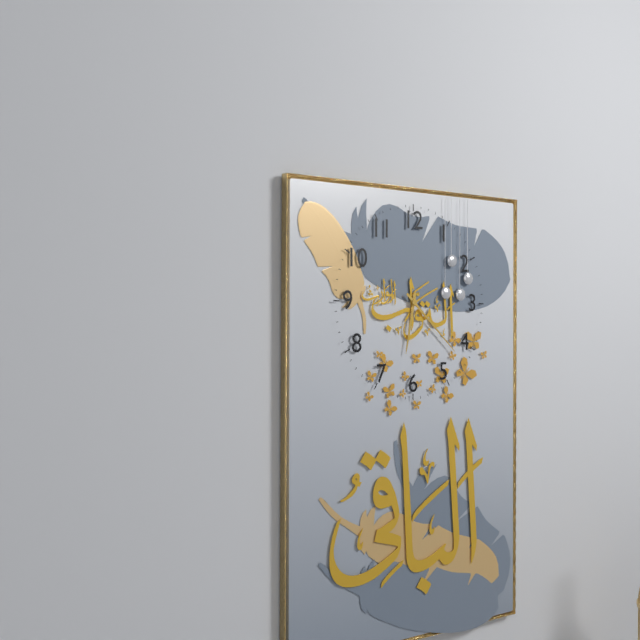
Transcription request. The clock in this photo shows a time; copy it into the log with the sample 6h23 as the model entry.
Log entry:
6h22
